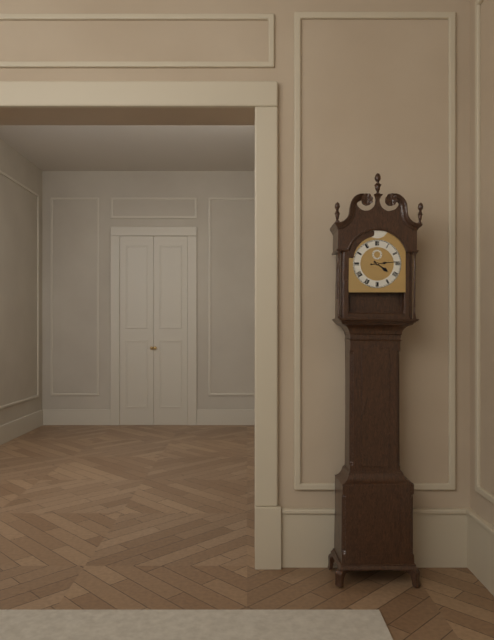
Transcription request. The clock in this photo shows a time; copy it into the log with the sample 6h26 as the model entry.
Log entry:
4h14
